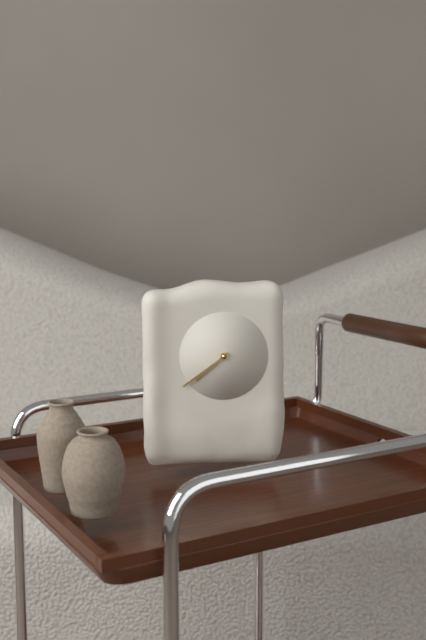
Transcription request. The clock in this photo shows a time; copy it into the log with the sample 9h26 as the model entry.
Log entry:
7h39
